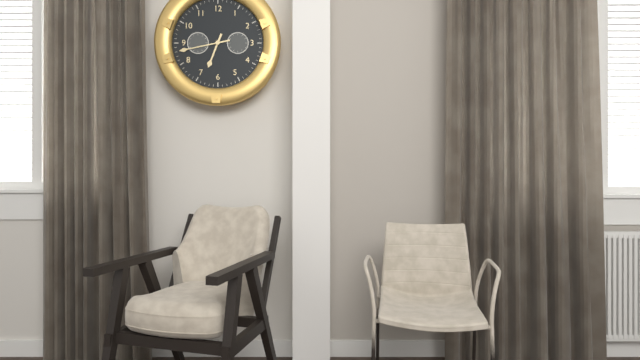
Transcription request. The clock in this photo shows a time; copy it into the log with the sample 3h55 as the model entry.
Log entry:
6h43
